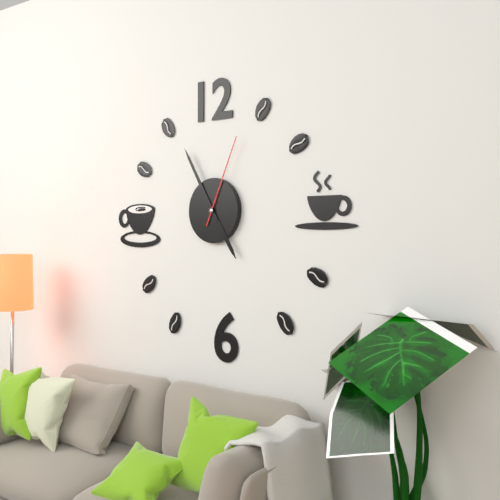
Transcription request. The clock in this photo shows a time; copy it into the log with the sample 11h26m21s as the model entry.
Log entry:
4h55m04s
